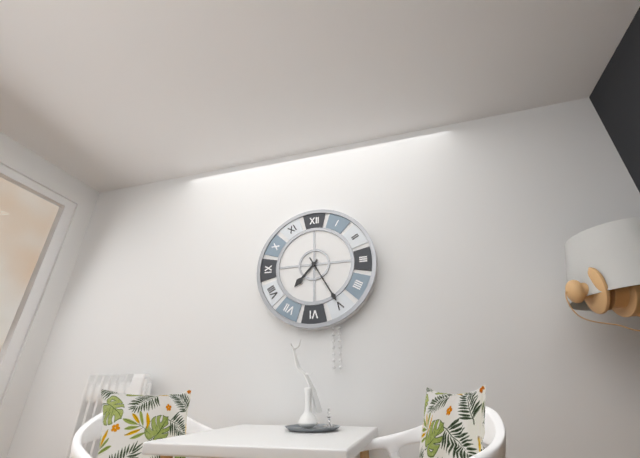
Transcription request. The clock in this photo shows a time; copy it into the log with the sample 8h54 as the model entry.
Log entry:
7h25
